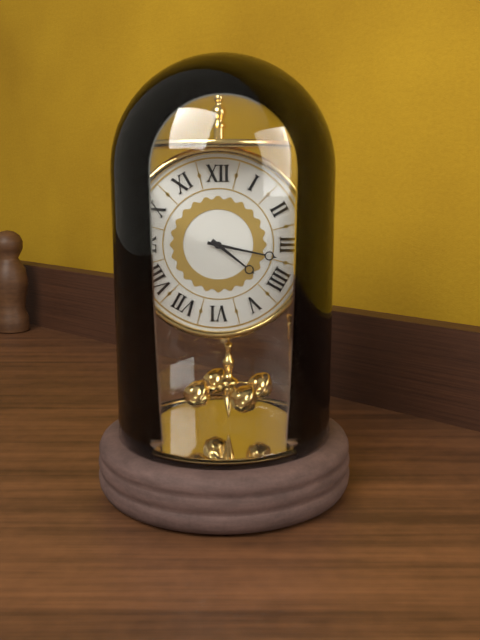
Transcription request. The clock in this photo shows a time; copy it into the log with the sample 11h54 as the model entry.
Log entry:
4h17
